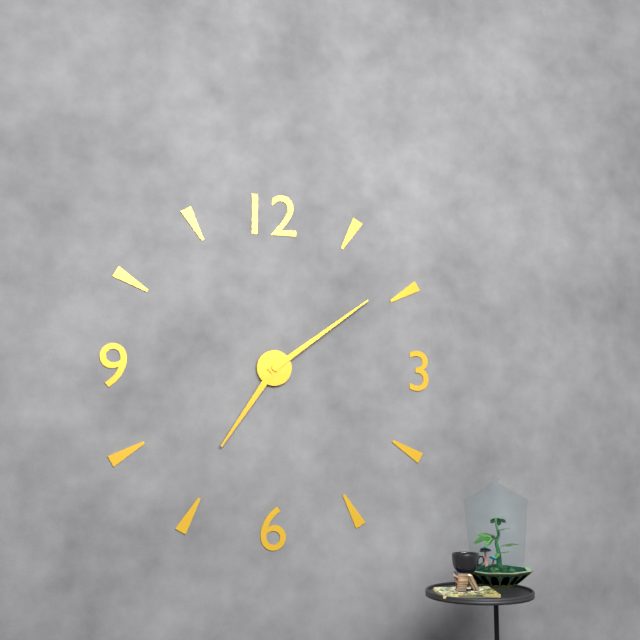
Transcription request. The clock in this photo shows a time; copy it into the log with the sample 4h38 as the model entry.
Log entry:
7h09
